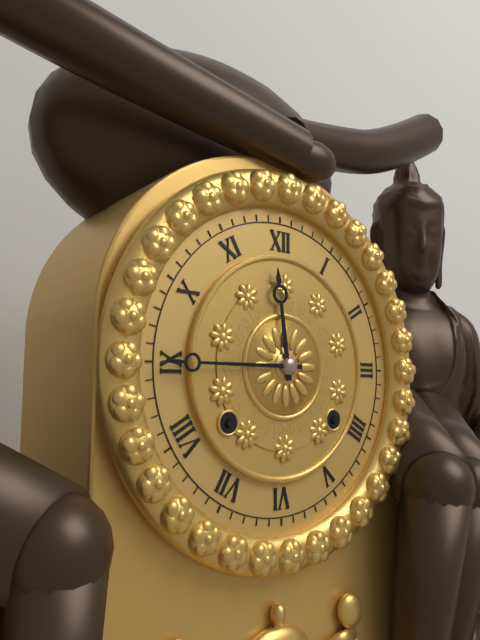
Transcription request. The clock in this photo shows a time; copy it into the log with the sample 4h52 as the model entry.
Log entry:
11h45
